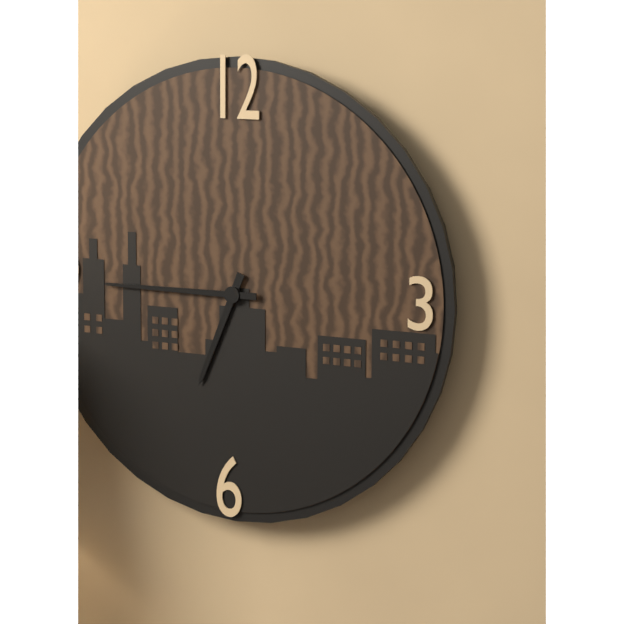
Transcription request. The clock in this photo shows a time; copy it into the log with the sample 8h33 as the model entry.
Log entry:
6h45
